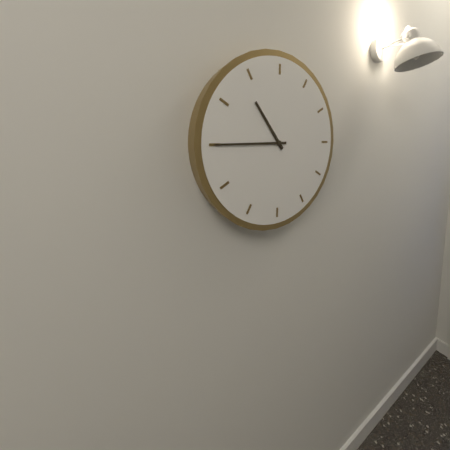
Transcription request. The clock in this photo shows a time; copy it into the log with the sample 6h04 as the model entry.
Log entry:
10h45
